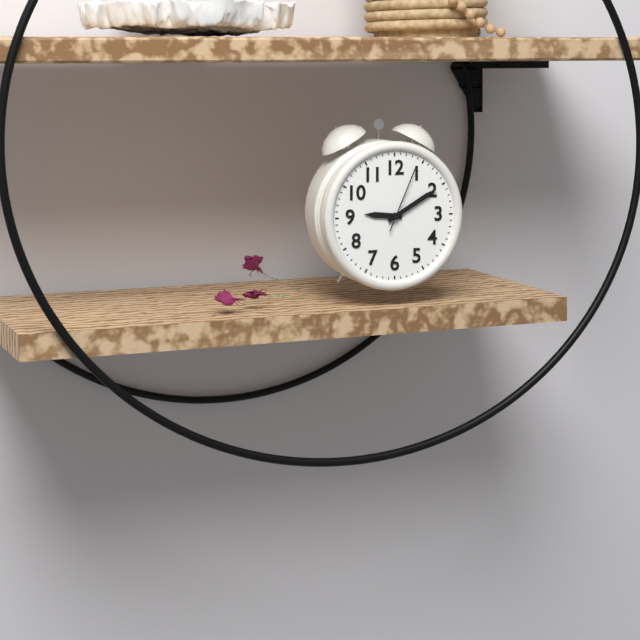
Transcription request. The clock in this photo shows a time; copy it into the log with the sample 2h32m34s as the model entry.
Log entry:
9h10m04s
